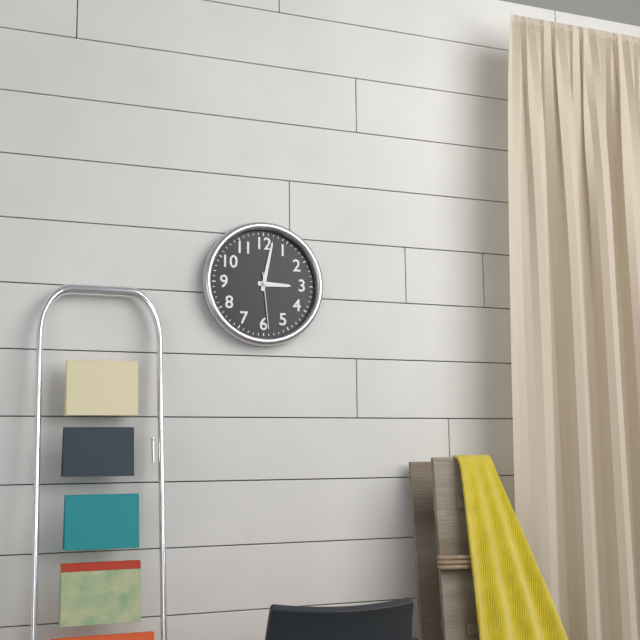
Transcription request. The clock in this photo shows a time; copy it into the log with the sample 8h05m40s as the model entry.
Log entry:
3h02m29s
